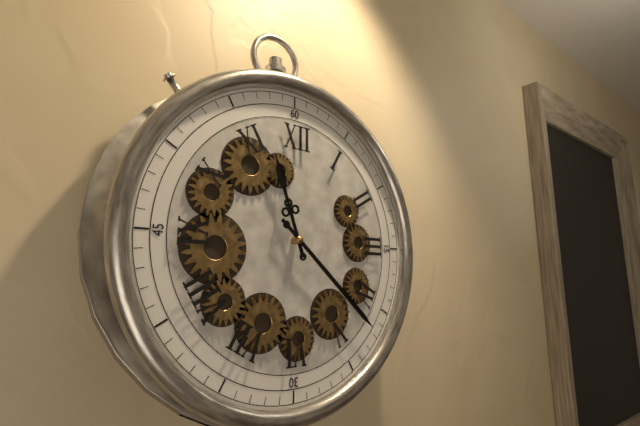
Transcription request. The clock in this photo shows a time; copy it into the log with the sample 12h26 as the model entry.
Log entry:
11h22
